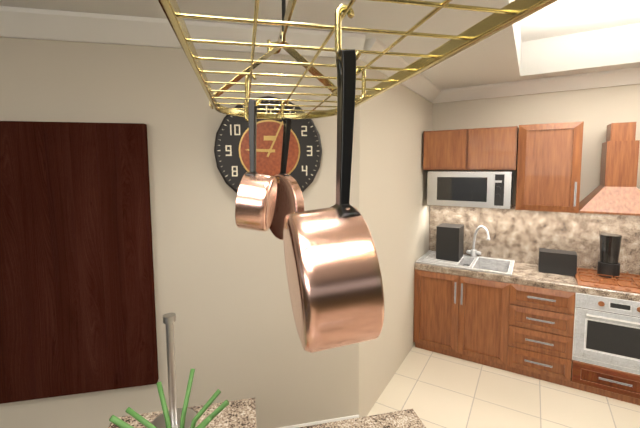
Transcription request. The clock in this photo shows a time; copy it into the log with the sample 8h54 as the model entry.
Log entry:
9h04
